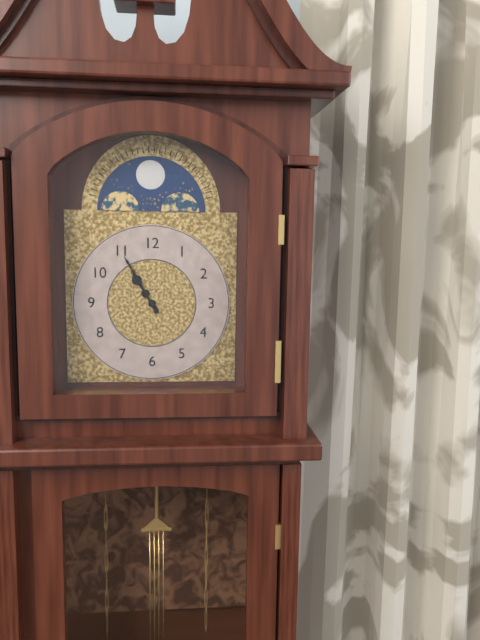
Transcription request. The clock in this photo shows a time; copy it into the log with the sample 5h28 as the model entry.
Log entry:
10h55
